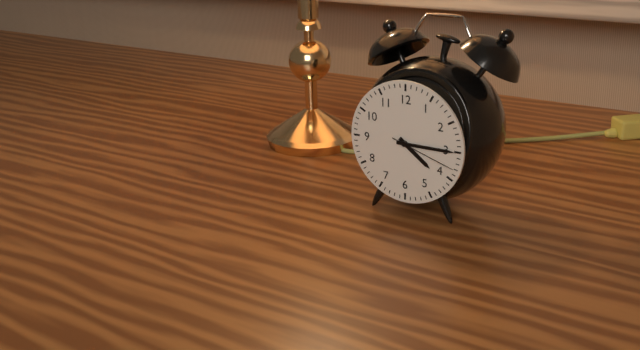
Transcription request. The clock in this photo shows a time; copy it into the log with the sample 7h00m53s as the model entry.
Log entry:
4h15m18s
